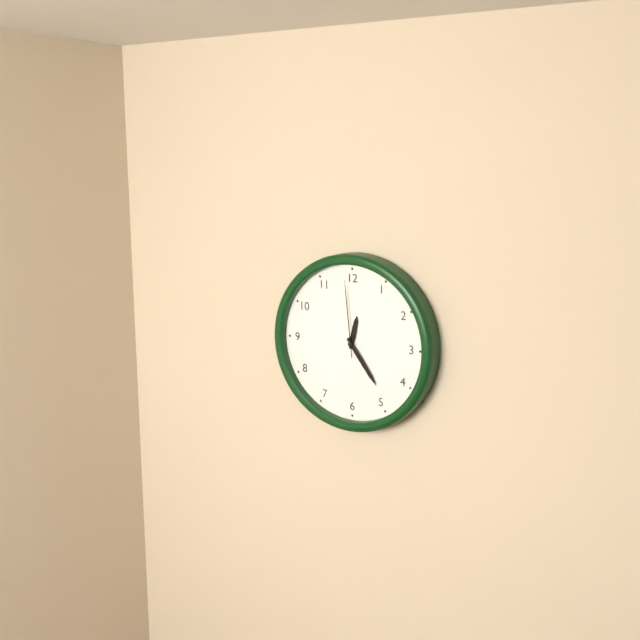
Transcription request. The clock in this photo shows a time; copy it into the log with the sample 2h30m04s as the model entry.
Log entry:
12h24m59s
